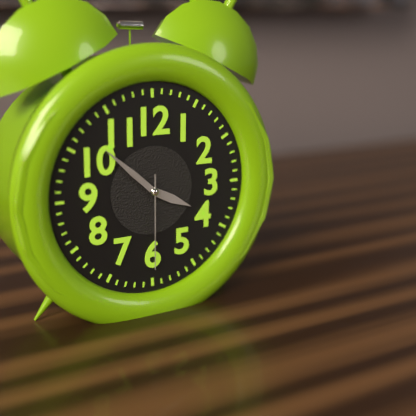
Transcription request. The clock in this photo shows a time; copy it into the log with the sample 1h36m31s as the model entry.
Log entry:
3h52m30s
